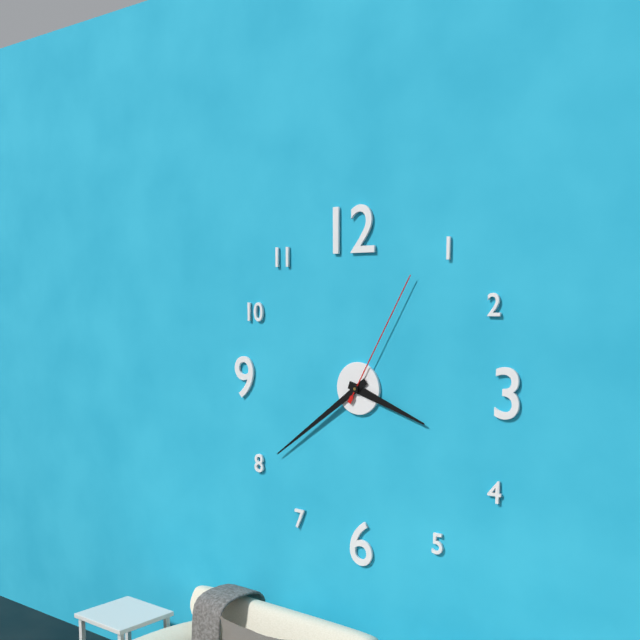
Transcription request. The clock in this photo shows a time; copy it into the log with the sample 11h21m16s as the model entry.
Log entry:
3h39m05s
